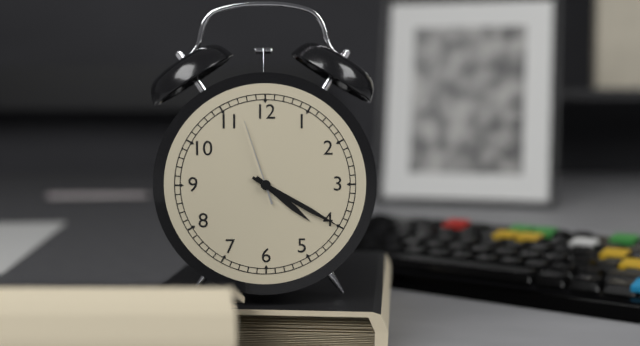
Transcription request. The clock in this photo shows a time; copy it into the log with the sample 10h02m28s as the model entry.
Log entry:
4h20m57s
